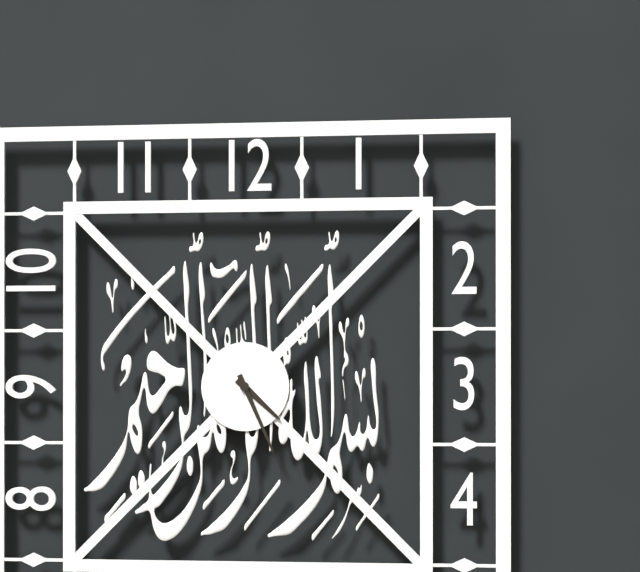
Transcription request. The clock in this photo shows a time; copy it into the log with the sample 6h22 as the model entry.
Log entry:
4h26
